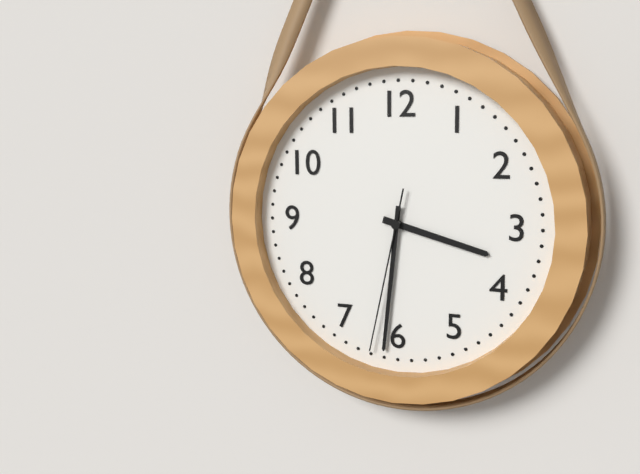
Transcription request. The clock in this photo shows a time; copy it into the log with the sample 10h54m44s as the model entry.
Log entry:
3h31m32s
